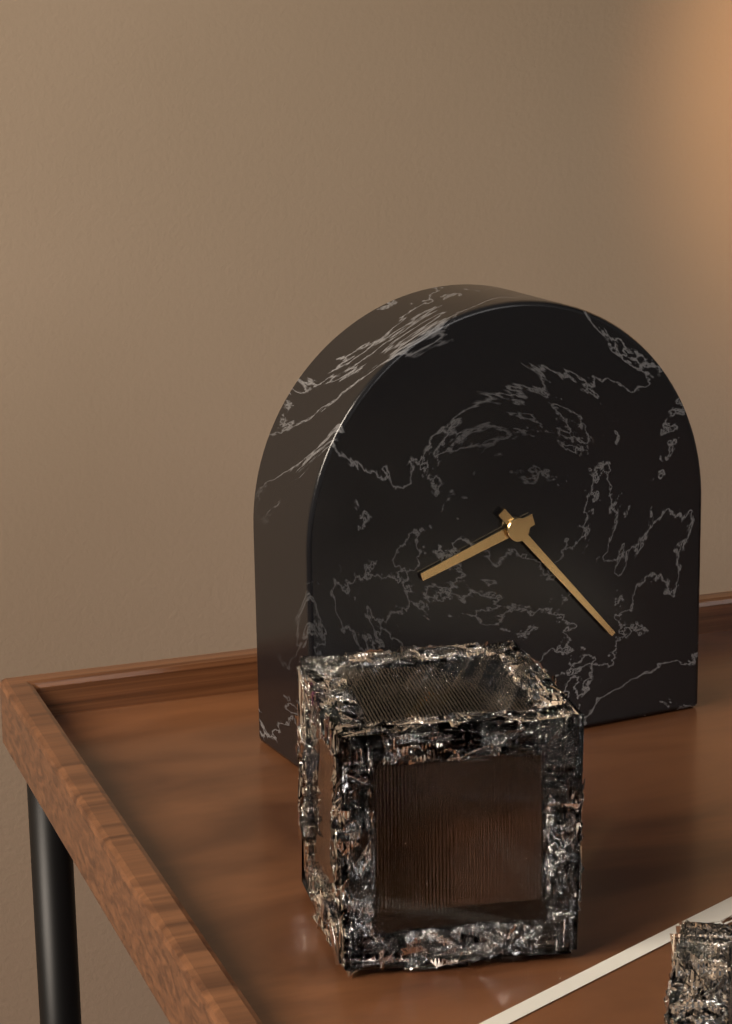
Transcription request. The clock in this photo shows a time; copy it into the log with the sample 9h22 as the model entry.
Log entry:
8h23
